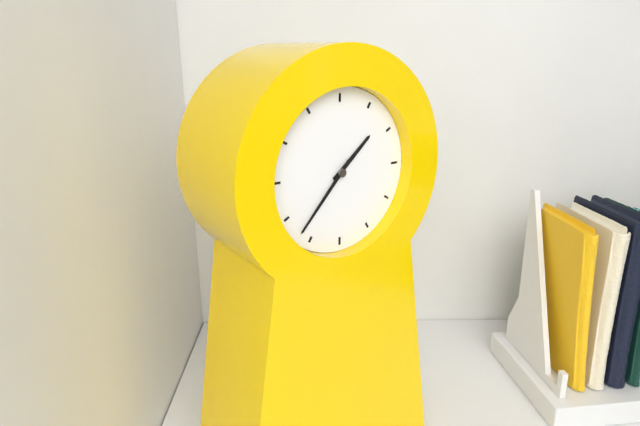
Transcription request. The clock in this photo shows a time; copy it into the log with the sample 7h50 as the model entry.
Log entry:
1h37
